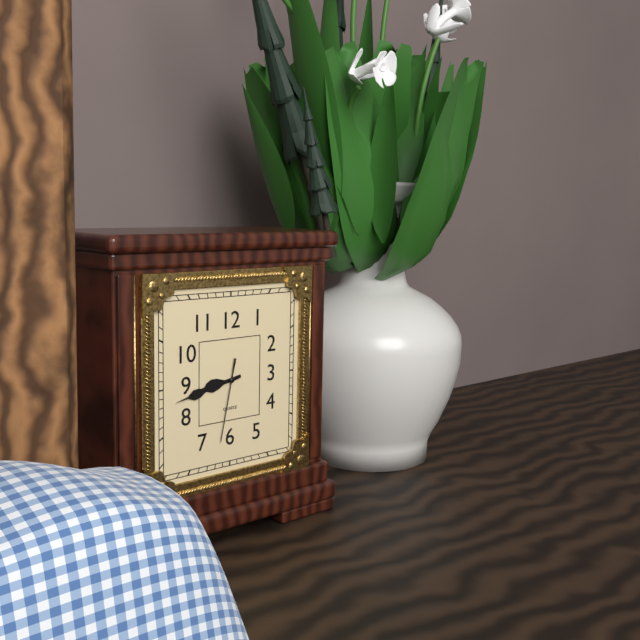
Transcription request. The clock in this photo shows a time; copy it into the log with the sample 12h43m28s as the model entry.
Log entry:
8h43m32s
